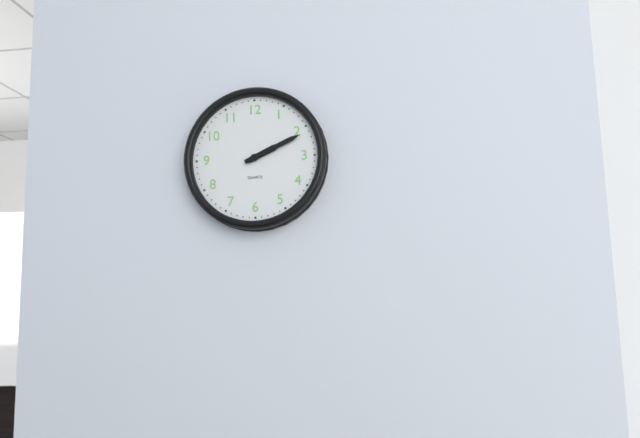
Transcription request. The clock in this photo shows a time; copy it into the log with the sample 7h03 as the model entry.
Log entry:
2h11
